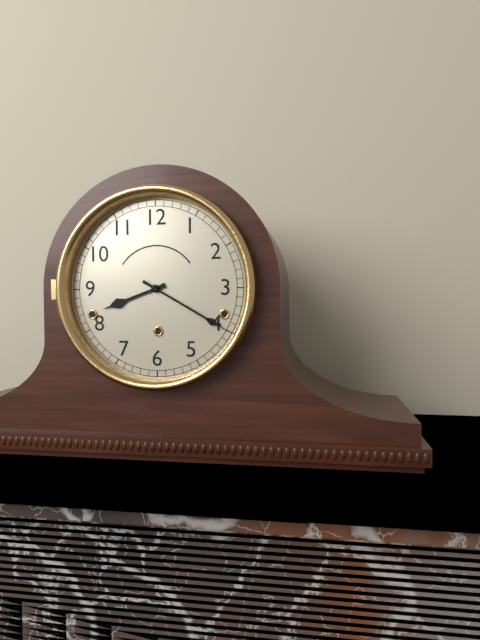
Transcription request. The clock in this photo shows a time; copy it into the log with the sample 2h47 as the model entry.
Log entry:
8h20
